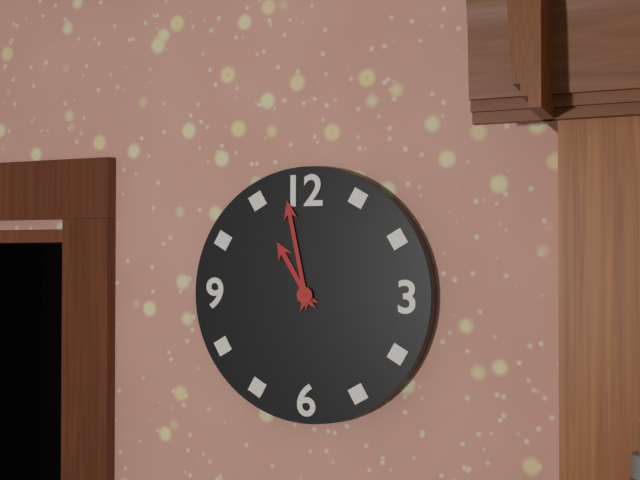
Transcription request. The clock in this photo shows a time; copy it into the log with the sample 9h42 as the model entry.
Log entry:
10h58
